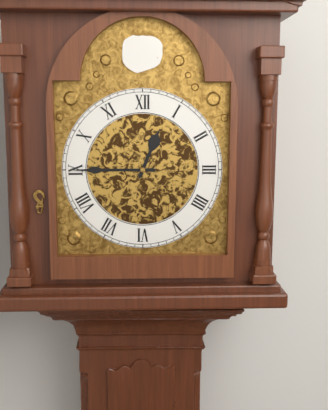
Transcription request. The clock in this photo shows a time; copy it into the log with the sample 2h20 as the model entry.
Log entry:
12h45
